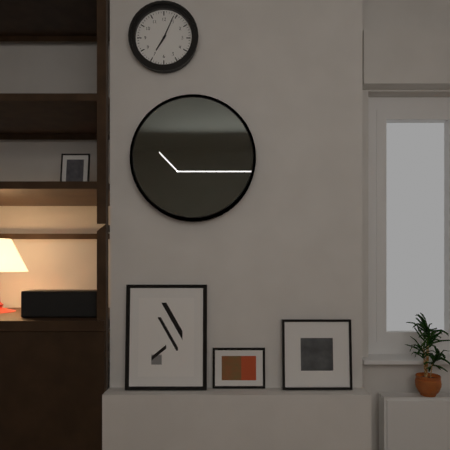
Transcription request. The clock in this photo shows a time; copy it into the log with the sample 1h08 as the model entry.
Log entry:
7h04
